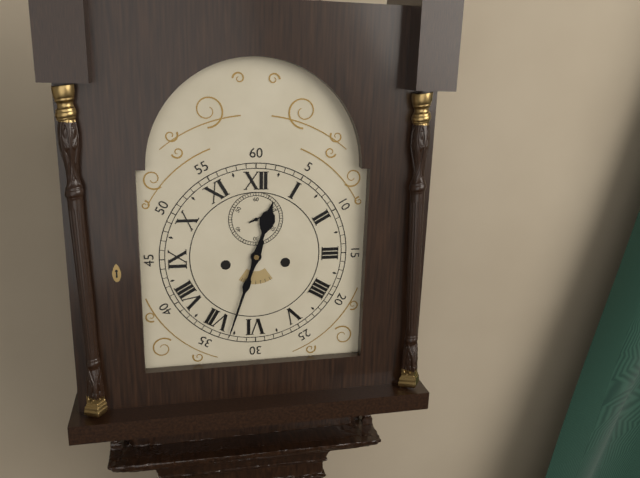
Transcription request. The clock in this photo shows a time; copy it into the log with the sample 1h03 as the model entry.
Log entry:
12h33
